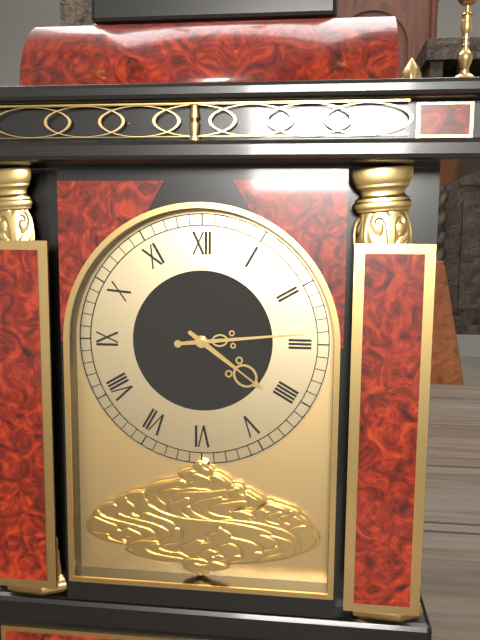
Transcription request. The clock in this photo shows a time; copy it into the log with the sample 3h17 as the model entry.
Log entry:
4h14
